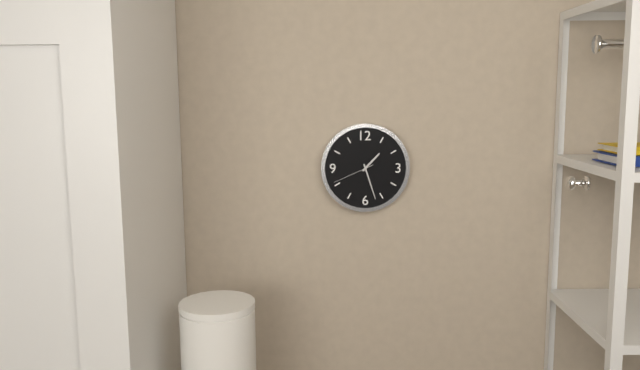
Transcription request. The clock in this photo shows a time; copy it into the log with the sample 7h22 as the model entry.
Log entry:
1h27
